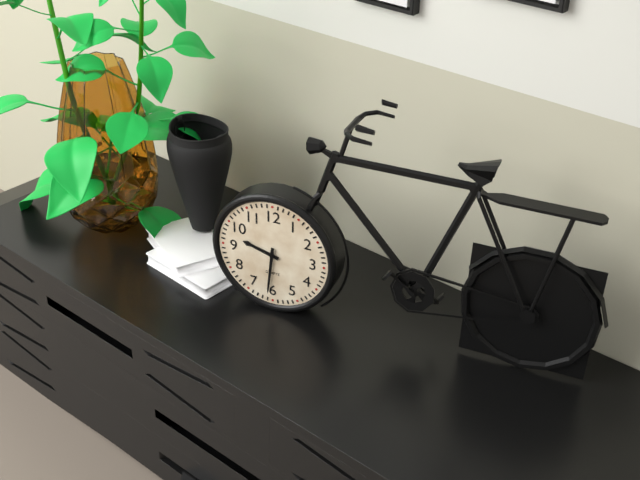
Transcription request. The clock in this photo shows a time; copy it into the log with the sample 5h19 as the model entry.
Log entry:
9h31
